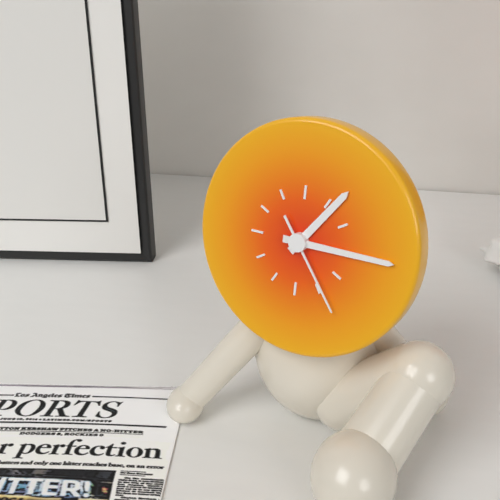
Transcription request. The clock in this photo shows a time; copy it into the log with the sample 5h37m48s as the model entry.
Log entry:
1h15m24s
